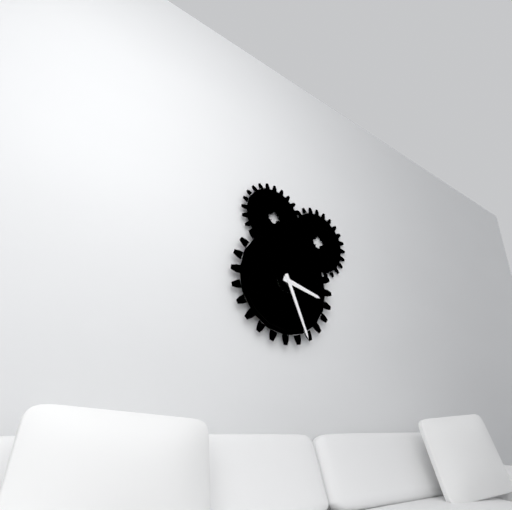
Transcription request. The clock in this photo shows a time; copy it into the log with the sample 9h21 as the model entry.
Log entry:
3h26
